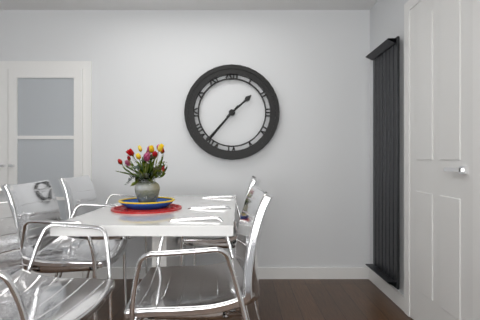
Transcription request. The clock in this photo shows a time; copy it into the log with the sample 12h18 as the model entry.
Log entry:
1h37
